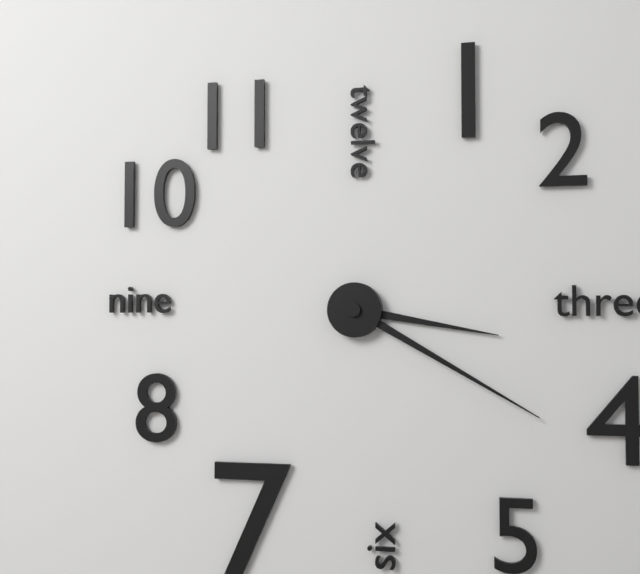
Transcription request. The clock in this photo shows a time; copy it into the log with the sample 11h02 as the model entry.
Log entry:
3h20
